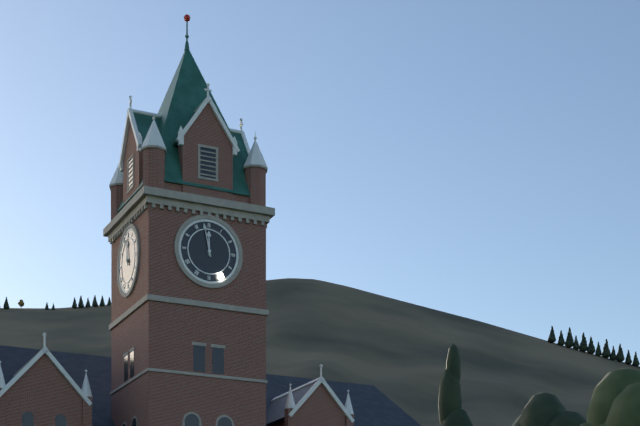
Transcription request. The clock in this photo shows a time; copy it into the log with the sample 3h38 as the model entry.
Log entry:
11h58
